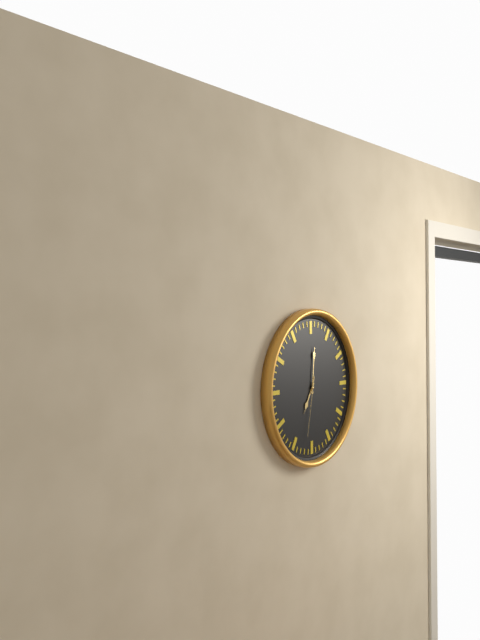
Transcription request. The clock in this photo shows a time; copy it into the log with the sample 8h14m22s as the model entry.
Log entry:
7h01m32s
